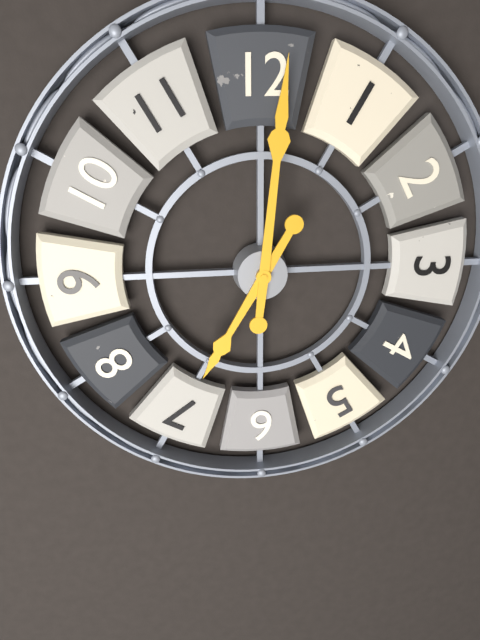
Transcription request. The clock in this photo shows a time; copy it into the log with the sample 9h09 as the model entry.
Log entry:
7h01
